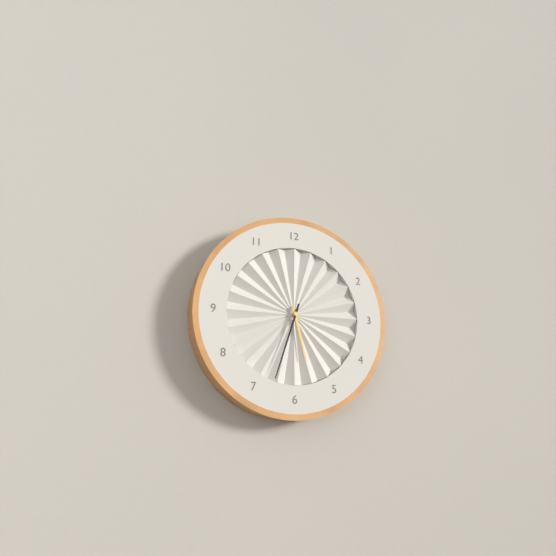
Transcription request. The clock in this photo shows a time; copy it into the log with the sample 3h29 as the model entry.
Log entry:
5h33
